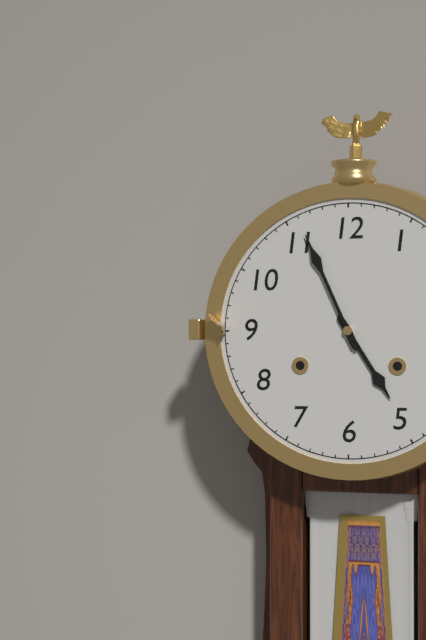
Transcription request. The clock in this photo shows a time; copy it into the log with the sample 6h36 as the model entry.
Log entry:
4h56
